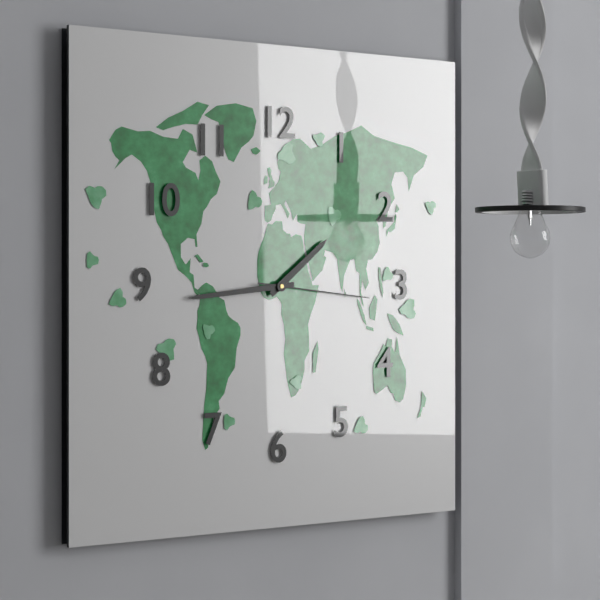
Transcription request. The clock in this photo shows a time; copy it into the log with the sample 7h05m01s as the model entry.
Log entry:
1h44m16s
